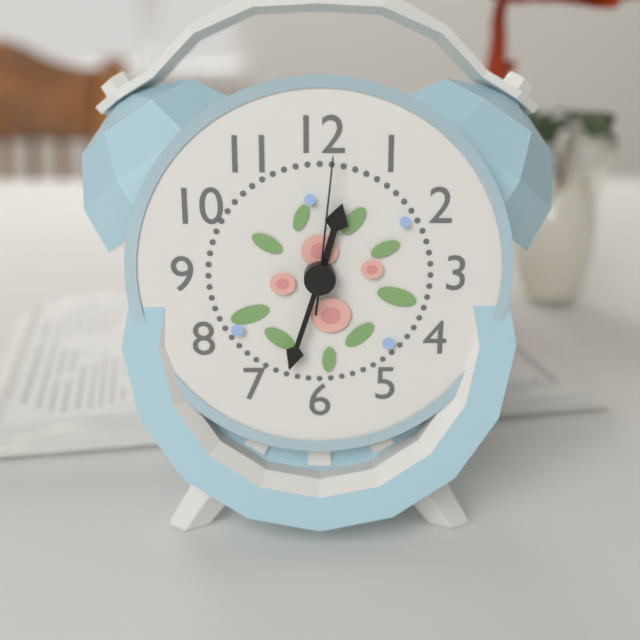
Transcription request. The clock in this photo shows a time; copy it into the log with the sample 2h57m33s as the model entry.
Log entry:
12h33m01s
